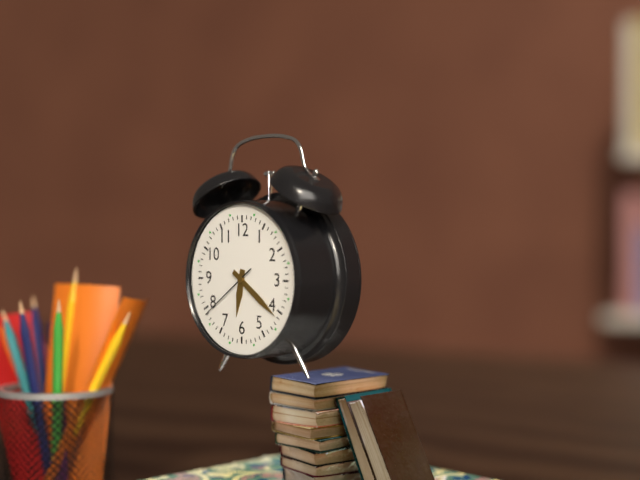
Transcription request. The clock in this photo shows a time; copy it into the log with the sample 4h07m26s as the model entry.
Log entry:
6h21m39s
